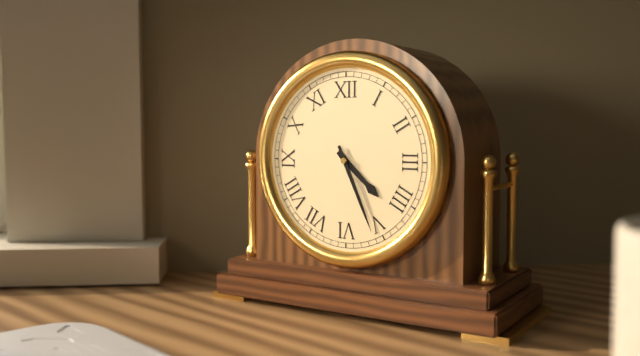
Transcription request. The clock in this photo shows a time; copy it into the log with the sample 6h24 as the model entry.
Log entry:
4h26
